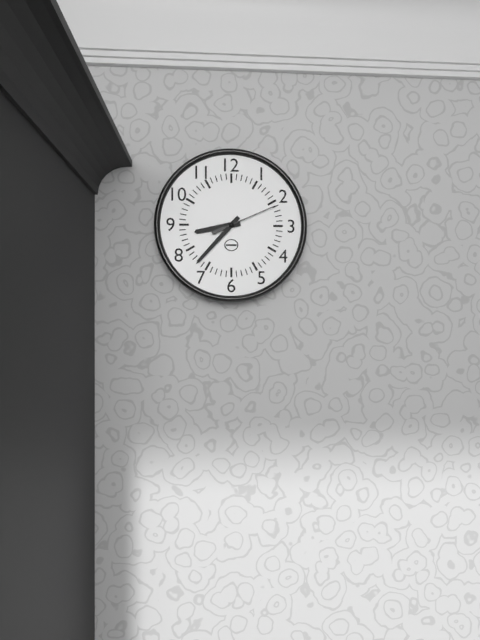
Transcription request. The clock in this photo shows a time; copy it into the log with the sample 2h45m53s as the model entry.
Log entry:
8h37m11s
